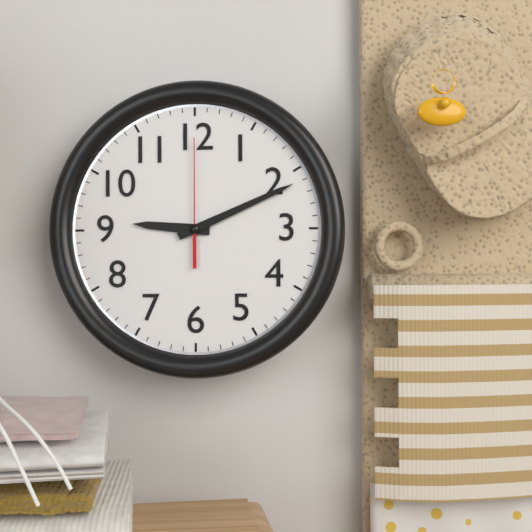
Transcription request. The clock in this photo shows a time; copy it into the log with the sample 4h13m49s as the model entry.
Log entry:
9h11m00s
